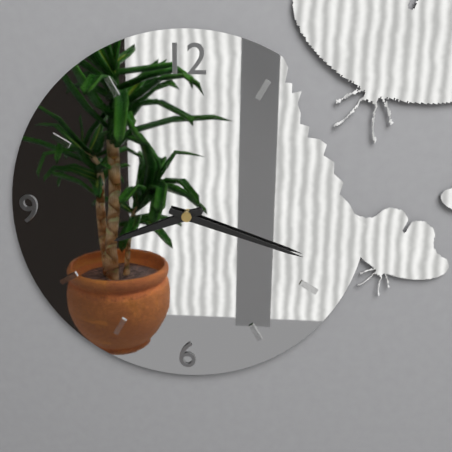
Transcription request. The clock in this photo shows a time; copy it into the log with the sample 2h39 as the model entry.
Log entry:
8h18
